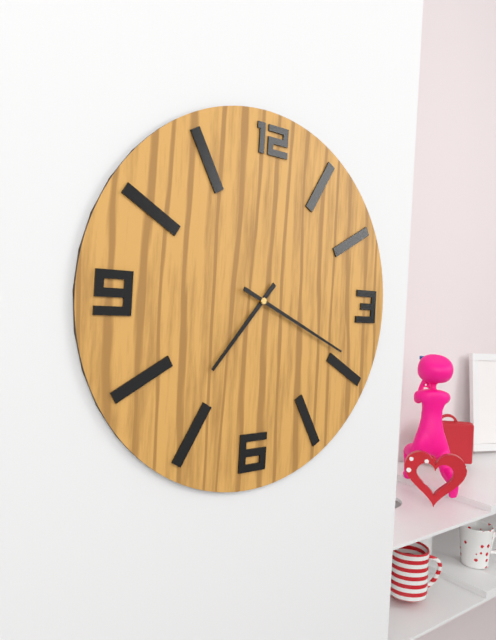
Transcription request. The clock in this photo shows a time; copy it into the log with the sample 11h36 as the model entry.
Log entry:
7h19
